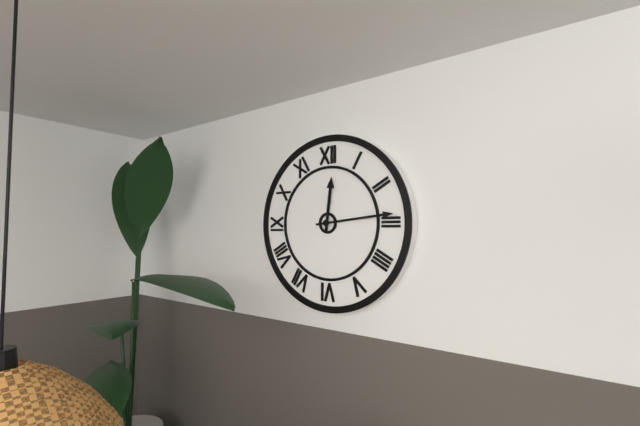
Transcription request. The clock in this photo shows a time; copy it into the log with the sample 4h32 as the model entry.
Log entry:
12h14
